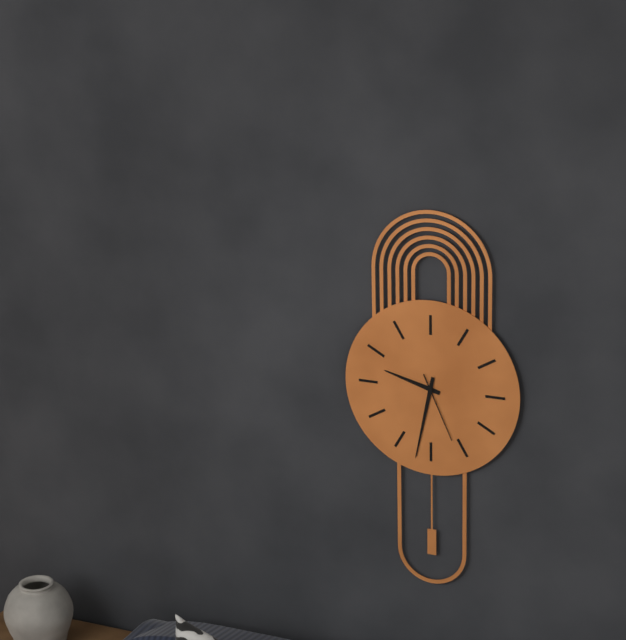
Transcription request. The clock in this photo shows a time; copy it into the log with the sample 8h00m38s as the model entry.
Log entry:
9h32m26s
